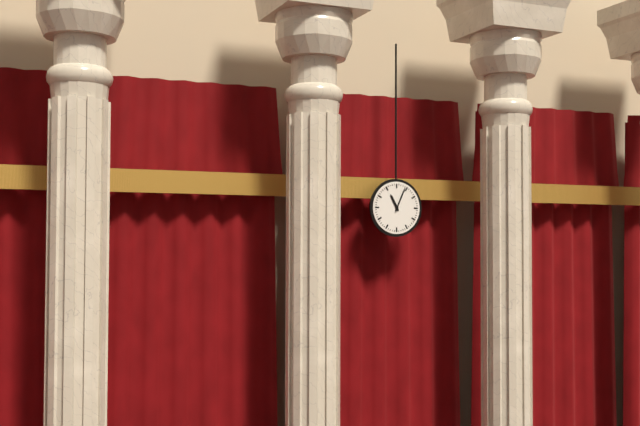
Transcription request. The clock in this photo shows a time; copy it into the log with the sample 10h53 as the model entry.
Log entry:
11h04
